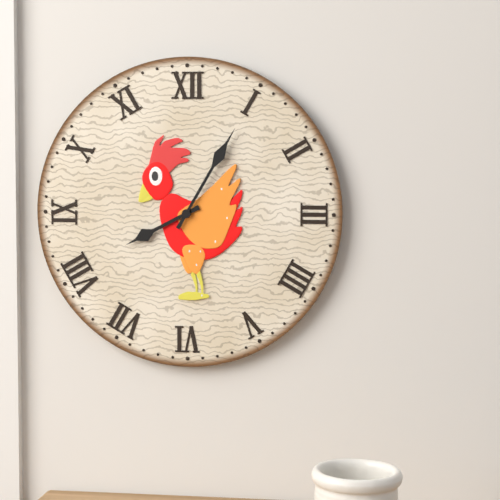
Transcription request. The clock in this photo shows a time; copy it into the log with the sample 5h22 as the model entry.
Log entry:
8h05
